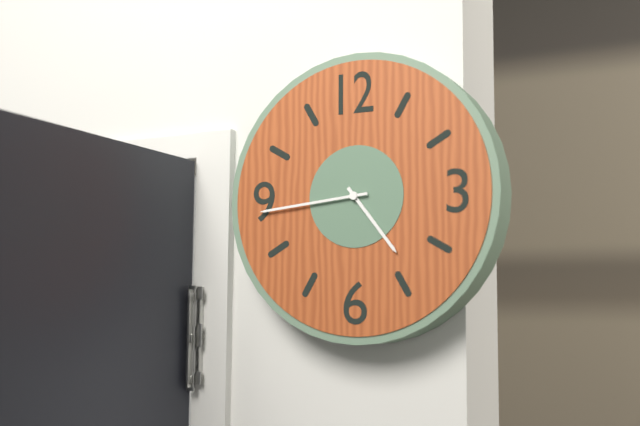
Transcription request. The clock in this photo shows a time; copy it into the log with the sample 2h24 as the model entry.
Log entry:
4h44
